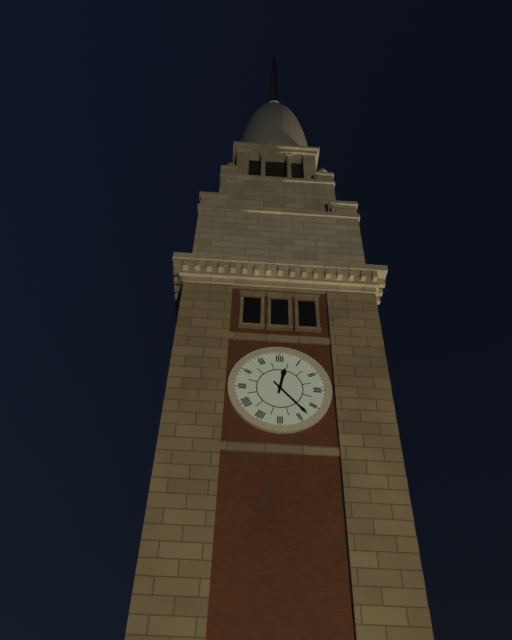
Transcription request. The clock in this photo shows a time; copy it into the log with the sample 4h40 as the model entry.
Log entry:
12h23
